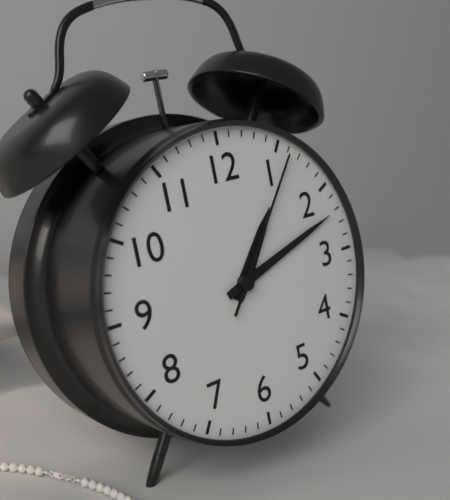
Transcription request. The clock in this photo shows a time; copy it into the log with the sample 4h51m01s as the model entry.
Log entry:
1h12m06s
